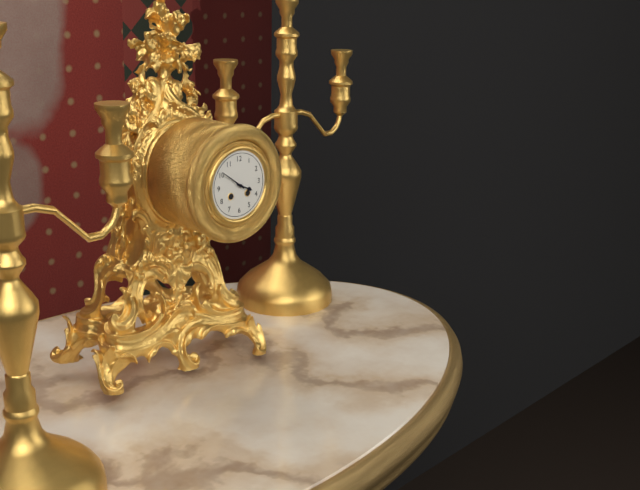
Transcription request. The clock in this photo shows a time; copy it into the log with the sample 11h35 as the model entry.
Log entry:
3h51
